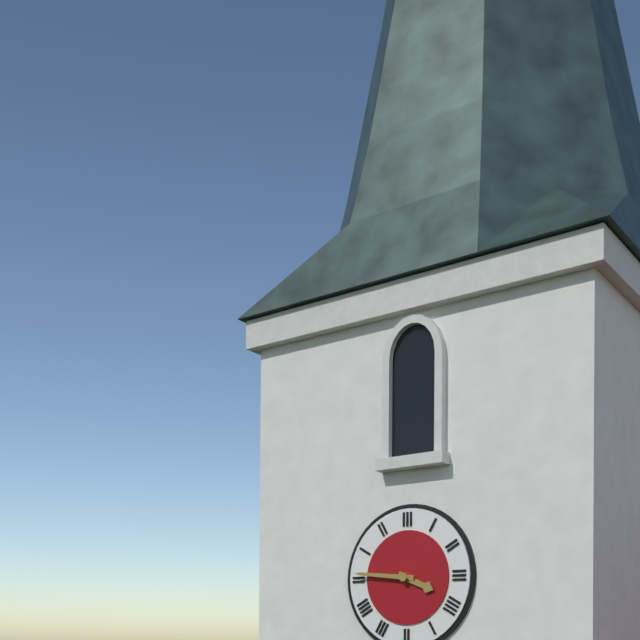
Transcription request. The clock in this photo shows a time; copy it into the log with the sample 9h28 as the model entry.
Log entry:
3h46
